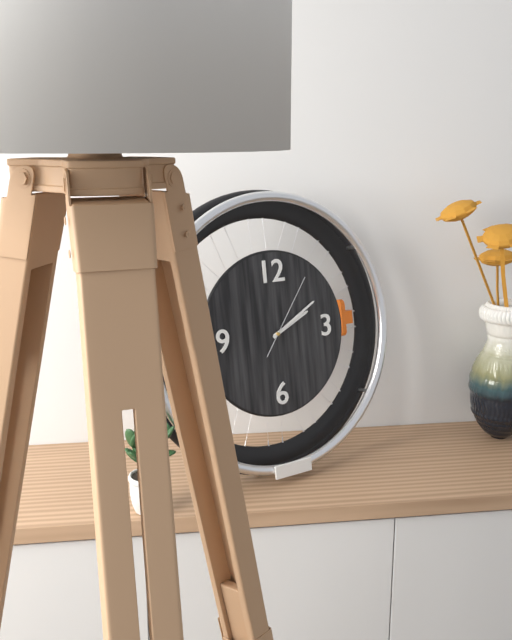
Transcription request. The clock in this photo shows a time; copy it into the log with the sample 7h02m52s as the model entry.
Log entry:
2h10m06s
